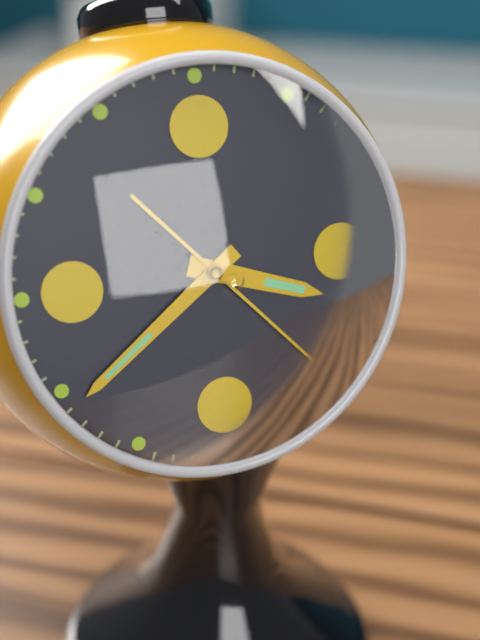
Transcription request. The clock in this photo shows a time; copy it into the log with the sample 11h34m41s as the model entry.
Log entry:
3h39m23s
